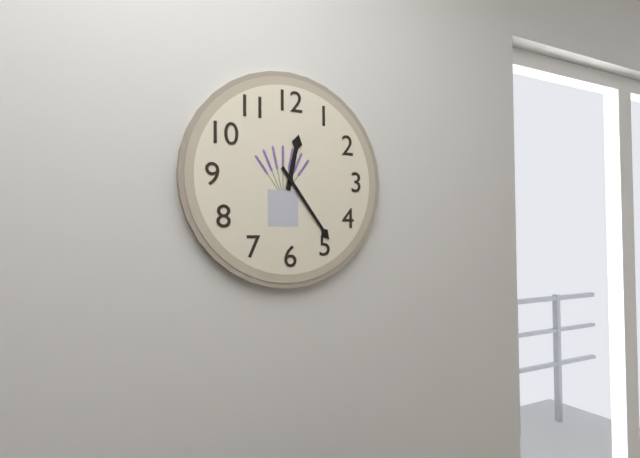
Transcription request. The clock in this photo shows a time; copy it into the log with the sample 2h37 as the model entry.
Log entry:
12h24
